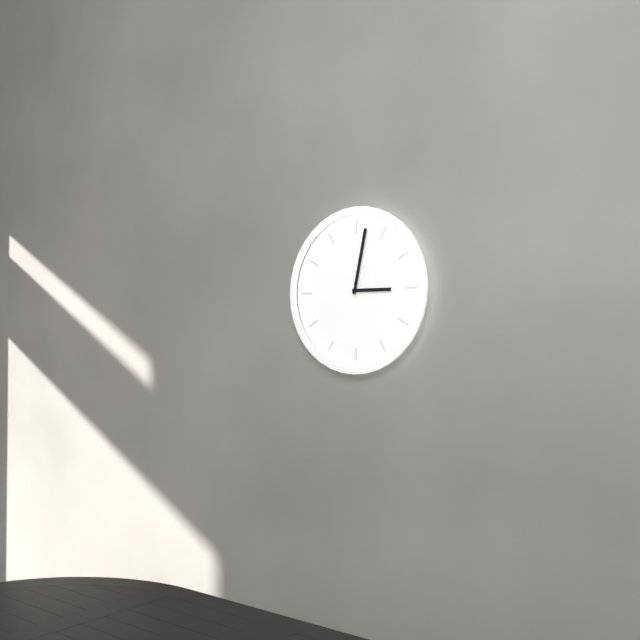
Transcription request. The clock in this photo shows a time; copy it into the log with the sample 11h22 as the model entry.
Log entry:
3h02
